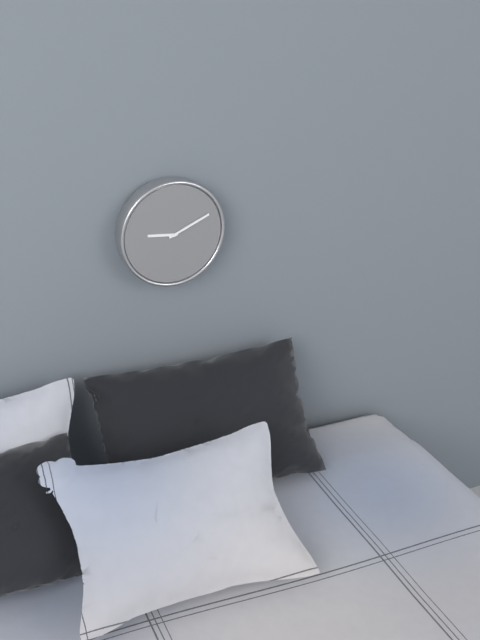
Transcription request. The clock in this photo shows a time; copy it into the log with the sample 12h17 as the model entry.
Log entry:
9h11
